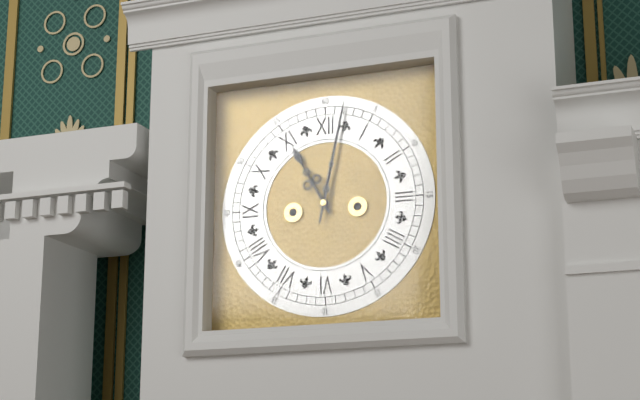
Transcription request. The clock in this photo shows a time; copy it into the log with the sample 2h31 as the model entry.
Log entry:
11h02
